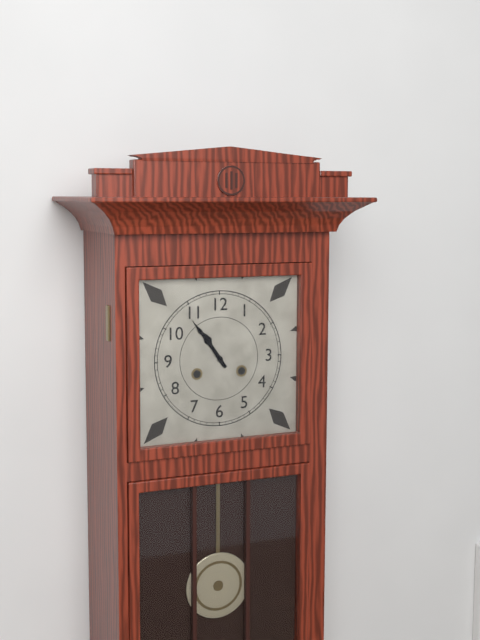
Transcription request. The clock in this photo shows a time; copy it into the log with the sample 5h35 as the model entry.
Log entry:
10h54
